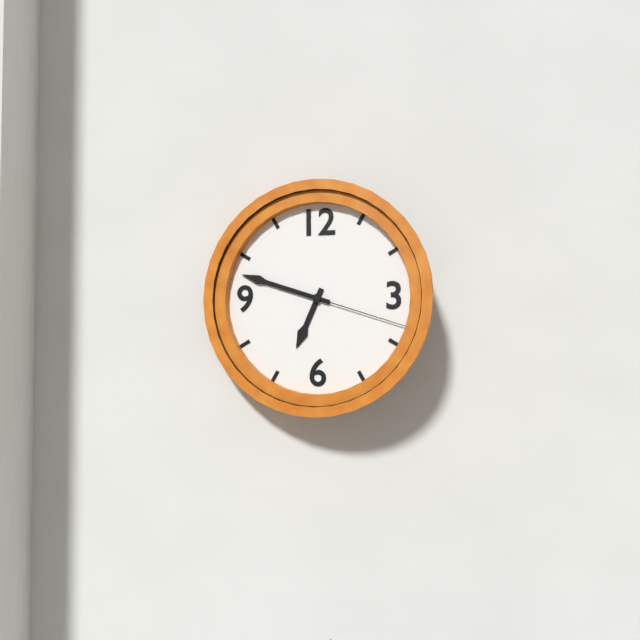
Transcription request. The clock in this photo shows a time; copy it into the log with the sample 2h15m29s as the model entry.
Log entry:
6h48m18s
